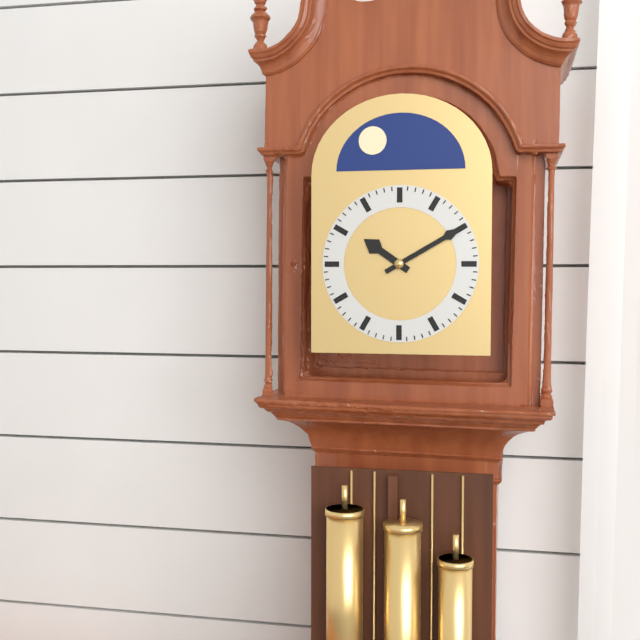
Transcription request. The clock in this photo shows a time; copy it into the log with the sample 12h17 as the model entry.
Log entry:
10h10
